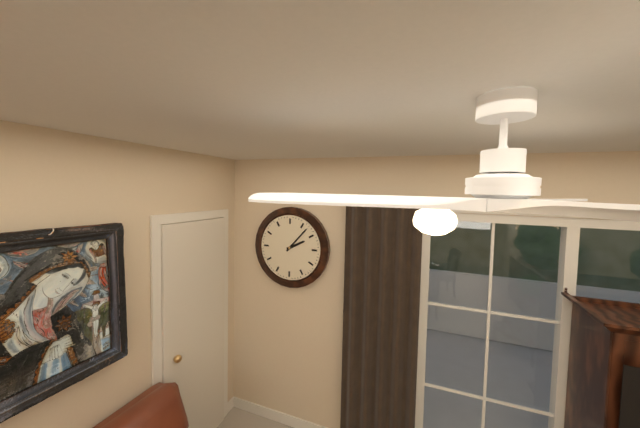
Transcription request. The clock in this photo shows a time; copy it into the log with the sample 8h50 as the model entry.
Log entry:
2h07
